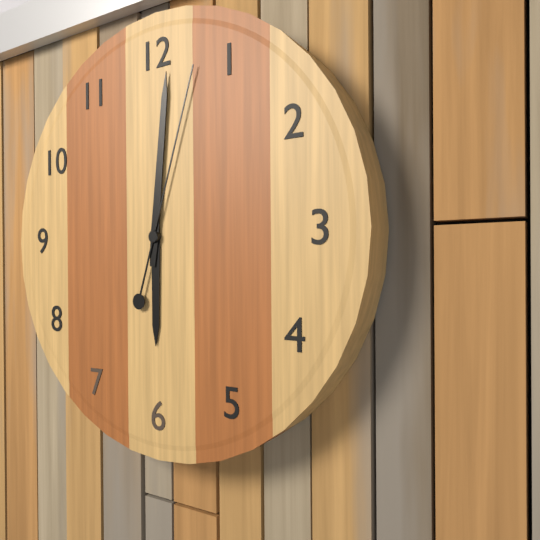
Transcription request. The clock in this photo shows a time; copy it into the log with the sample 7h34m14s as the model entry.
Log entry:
6h01m03s
